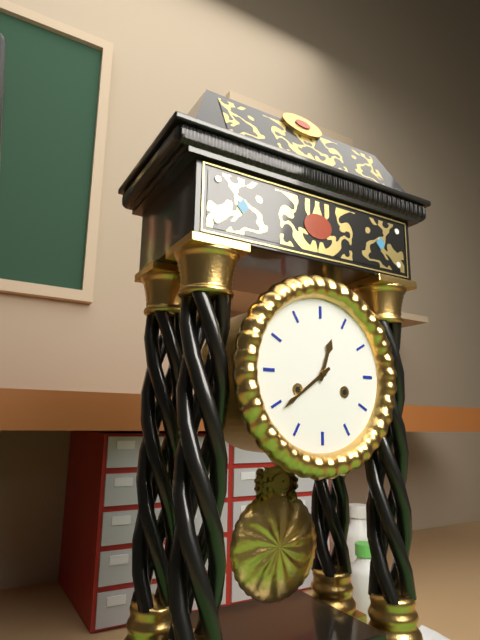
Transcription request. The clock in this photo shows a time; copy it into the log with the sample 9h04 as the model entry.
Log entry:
12h39
